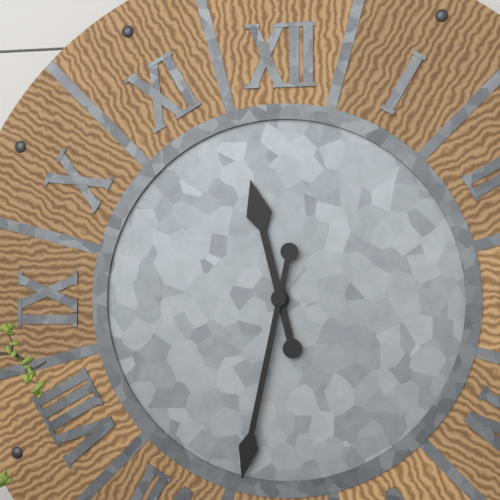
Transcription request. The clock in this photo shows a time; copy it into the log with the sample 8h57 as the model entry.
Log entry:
11h32
